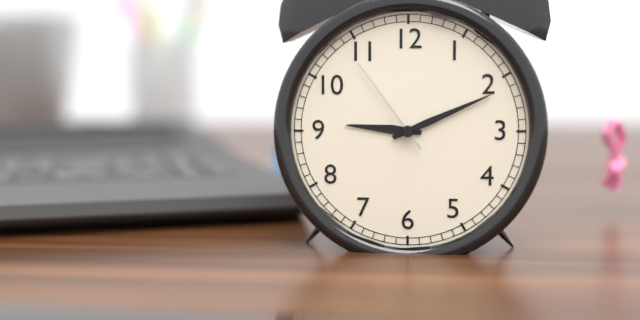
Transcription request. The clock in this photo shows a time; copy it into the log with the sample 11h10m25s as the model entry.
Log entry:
9h11m54s
